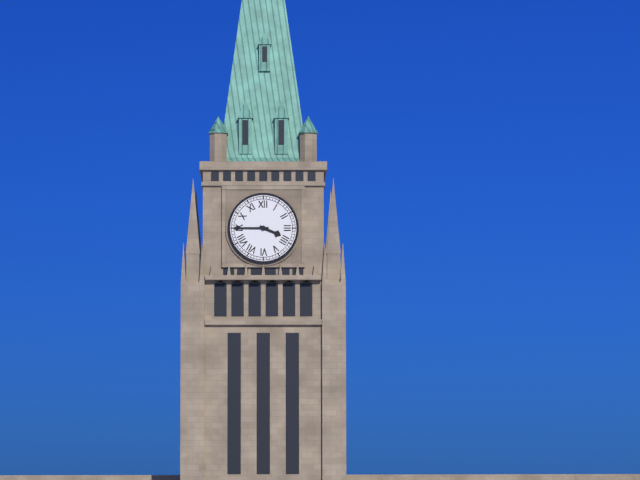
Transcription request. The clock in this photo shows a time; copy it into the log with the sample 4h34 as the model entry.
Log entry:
3h45
